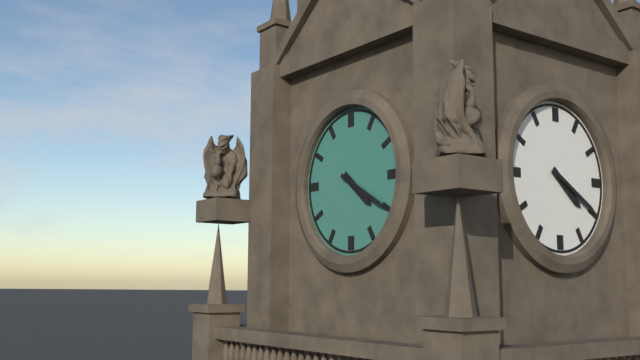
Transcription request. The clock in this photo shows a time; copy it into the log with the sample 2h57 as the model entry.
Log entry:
4h20
